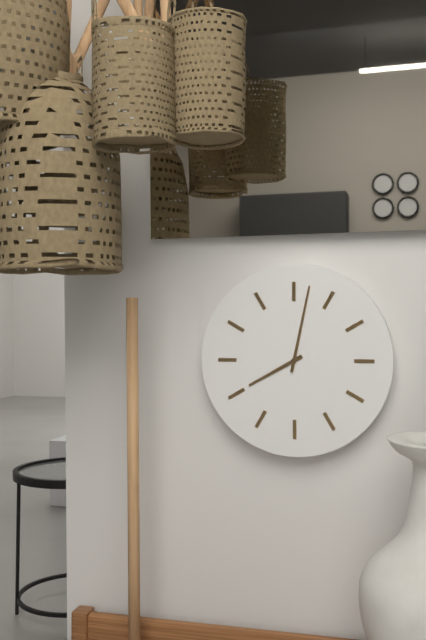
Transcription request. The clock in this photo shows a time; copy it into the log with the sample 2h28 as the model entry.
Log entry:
8h02
